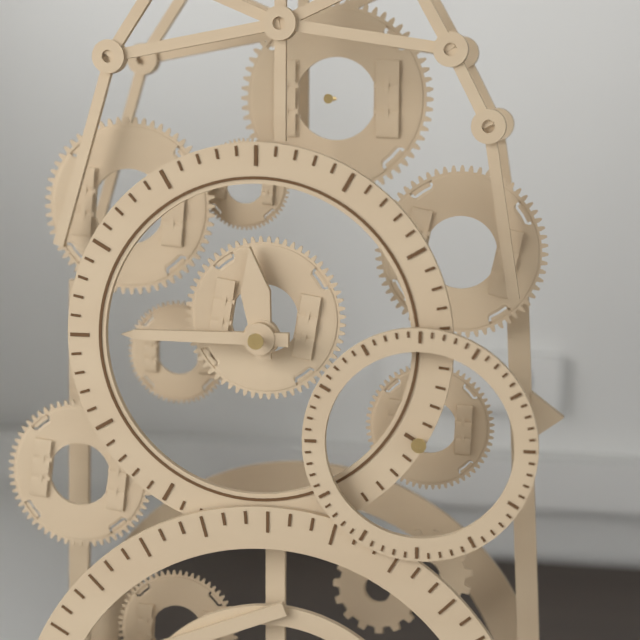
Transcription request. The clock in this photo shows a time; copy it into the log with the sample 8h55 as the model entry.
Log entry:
11h45
